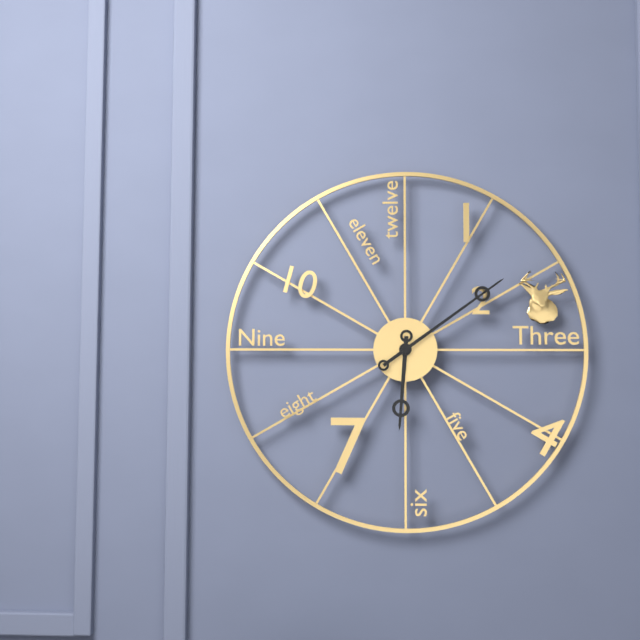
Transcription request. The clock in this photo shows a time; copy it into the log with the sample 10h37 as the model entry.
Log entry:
6h09
